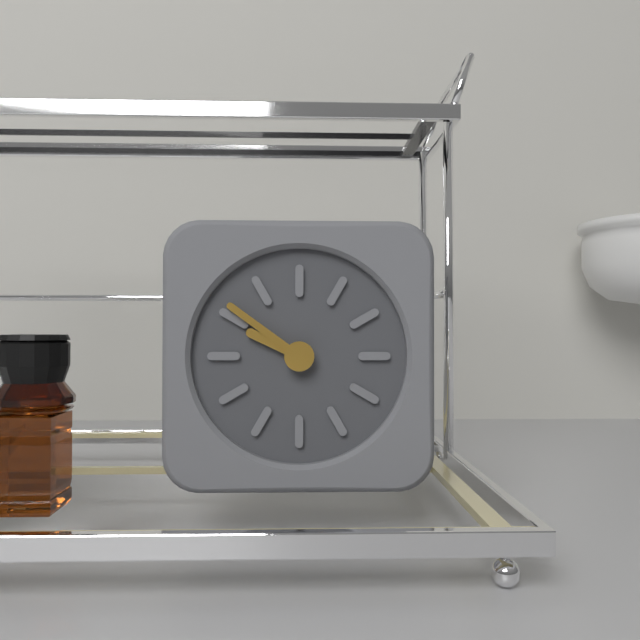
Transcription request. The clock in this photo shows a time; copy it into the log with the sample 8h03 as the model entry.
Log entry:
9h51
